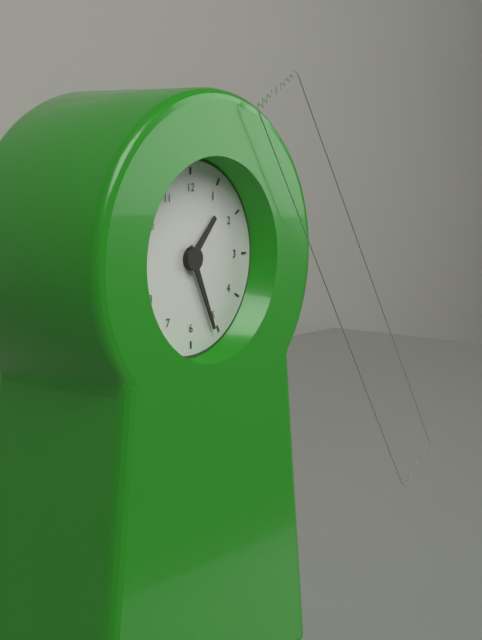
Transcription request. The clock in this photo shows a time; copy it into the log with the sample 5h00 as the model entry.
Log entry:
1h26
